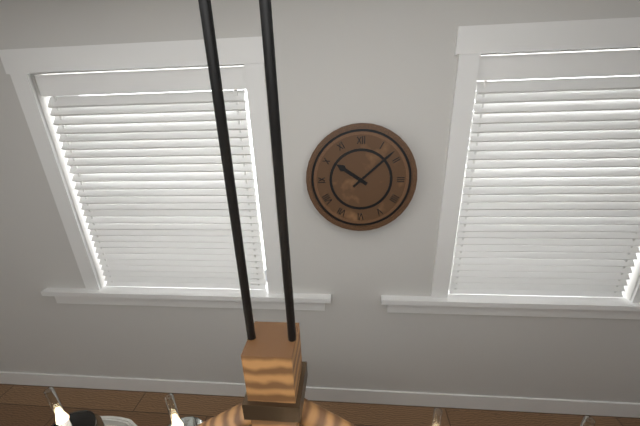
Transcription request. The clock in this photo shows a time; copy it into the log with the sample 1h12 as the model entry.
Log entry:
10h08
